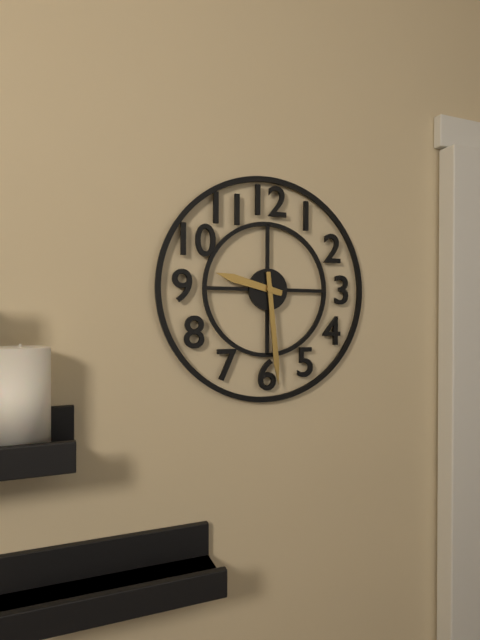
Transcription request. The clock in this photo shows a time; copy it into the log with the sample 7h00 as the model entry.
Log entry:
9h29
